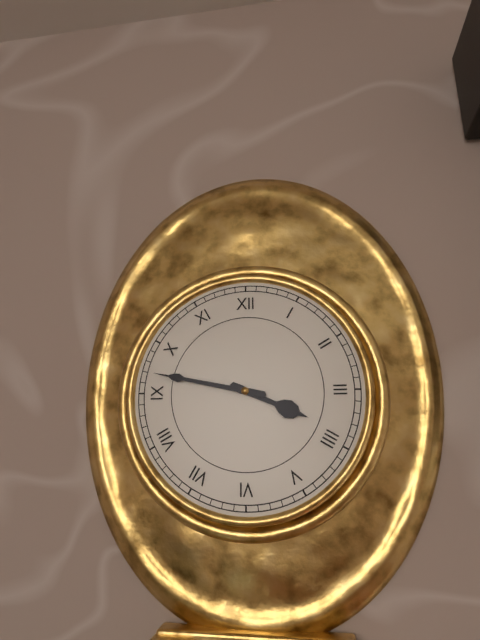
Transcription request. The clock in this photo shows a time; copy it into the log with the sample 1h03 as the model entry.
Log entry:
3h47
